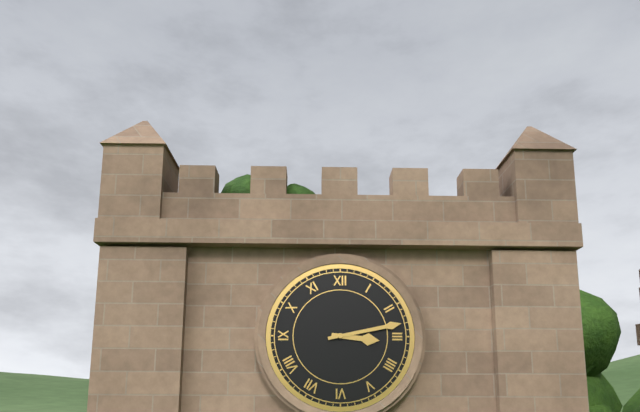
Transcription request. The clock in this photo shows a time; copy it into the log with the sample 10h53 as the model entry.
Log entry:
3h13
